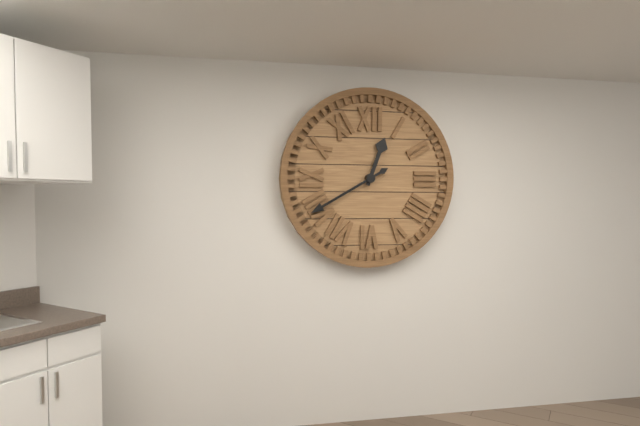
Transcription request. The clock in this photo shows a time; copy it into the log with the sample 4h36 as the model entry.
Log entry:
12h40
